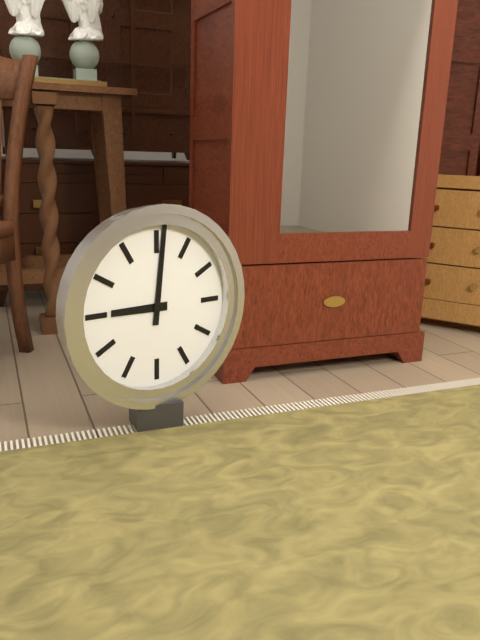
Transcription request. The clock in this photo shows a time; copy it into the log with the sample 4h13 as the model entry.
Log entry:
9h01
